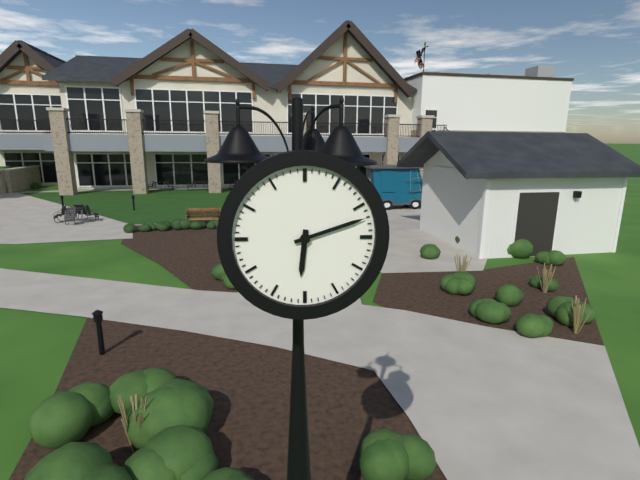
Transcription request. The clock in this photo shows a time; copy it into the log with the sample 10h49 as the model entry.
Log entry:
6h12
